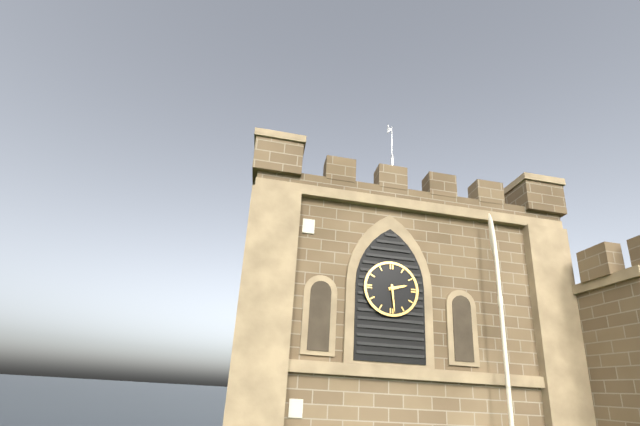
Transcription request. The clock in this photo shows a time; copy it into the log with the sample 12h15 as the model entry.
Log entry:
2h29
